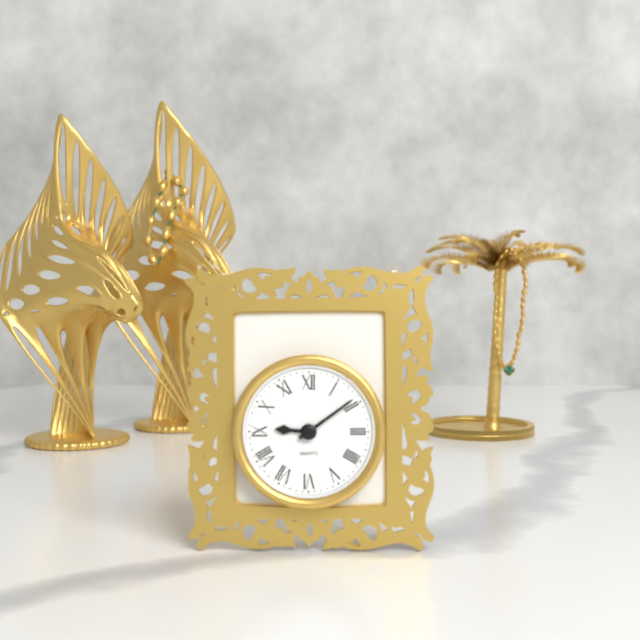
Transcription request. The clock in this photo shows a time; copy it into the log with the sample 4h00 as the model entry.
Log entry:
9h09
